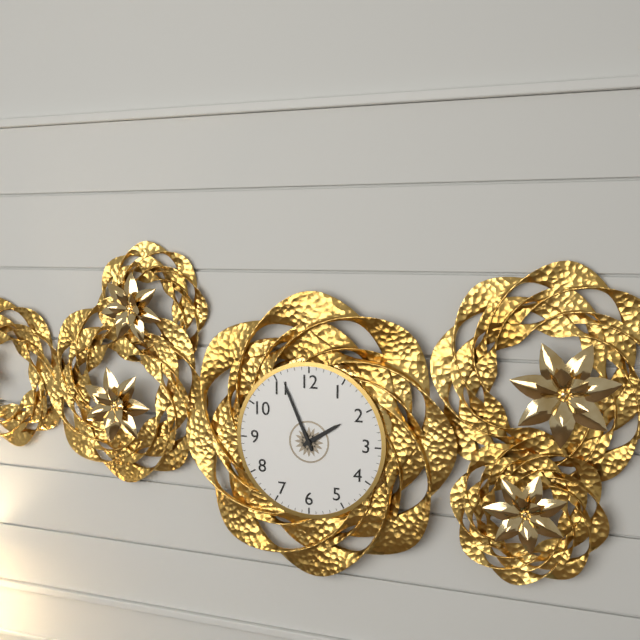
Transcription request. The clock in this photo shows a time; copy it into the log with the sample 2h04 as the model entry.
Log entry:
1h56
